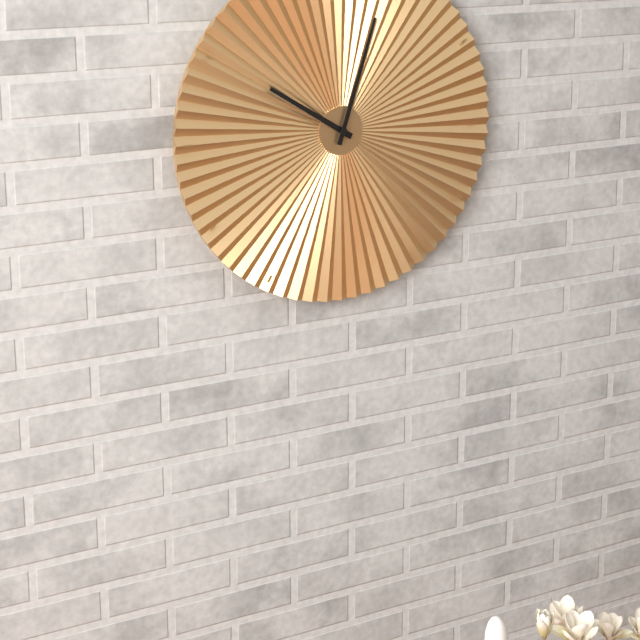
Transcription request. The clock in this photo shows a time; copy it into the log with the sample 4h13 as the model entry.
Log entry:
10h03
